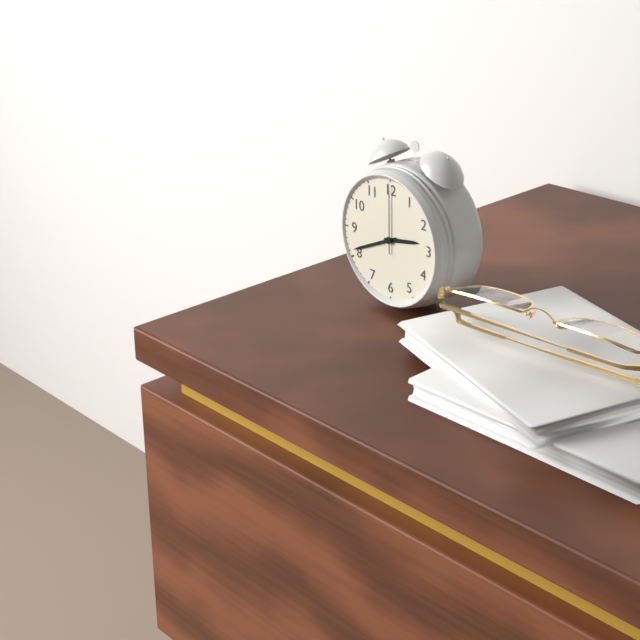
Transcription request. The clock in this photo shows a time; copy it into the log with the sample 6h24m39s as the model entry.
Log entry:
2h41m00s
